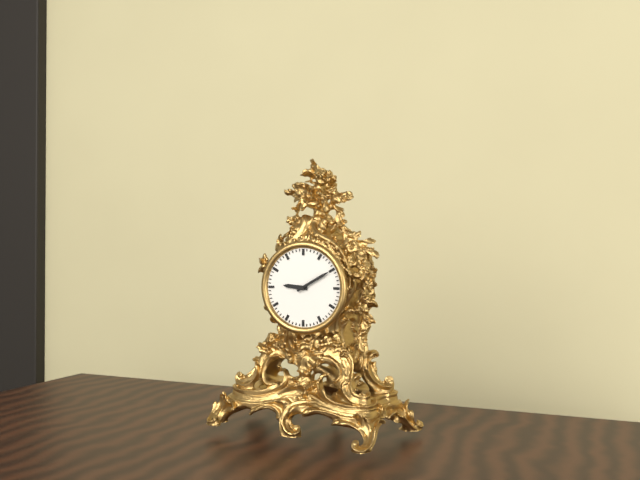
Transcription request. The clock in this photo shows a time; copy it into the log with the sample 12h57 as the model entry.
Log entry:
9h10
